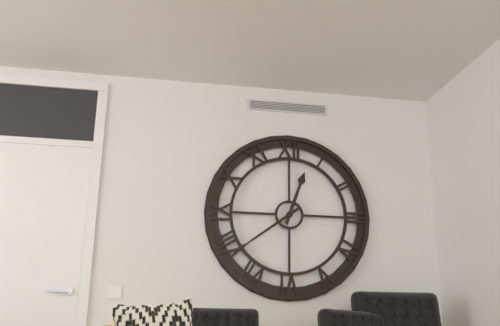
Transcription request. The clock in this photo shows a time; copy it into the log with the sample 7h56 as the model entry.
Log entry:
12h39
